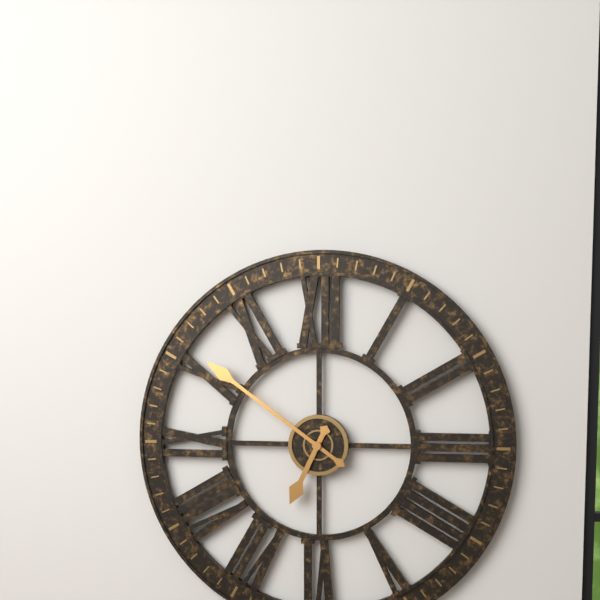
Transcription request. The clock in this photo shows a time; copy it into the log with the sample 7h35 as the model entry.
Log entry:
6h51
